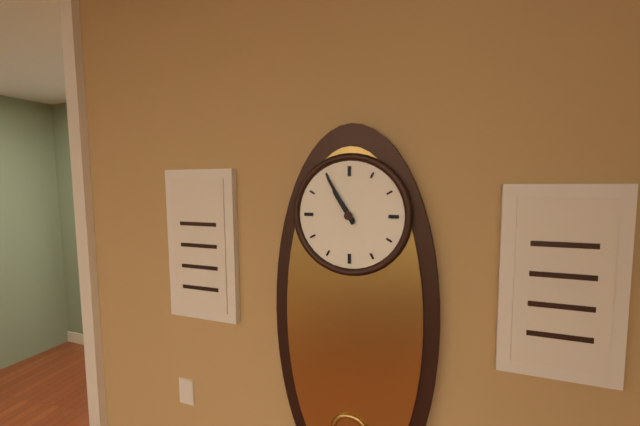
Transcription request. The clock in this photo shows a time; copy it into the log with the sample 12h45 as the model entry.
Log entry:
10h55
